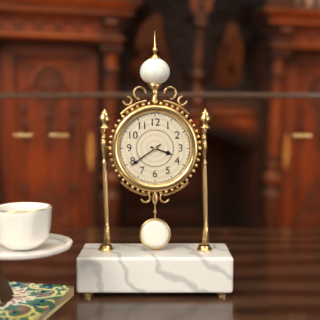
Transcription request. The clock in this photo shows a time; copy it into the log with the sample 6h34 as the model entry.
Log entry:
3h39
